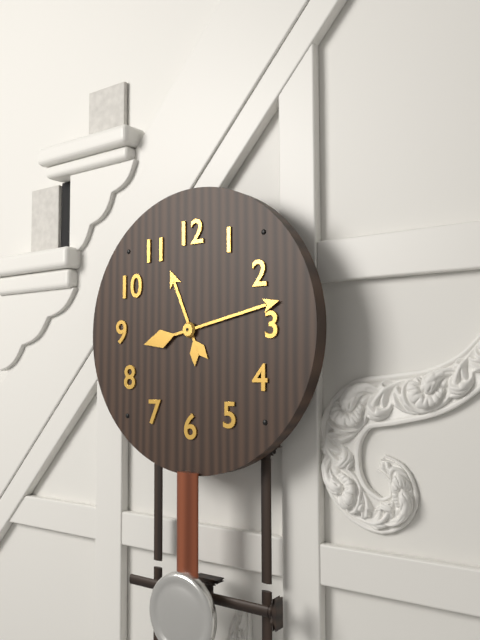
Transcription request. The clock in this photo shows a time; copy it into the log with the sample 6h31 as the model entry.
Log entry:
11h13
